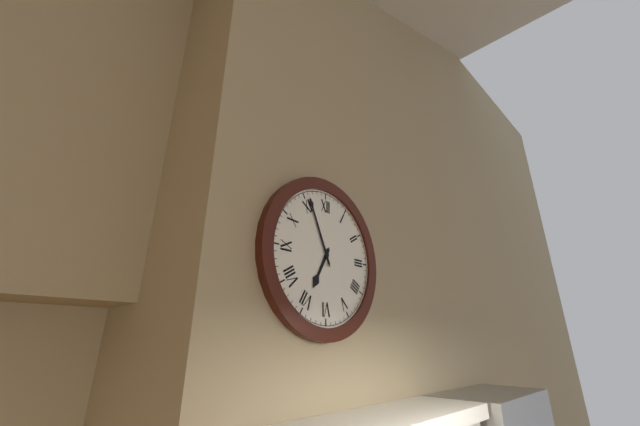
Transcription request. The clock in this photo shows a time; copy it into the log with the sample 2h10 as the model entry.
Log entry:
6h56
